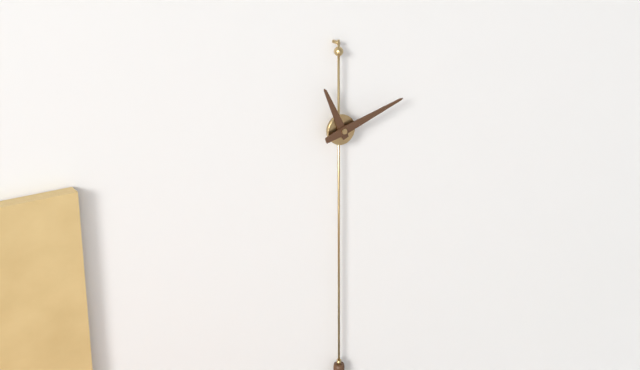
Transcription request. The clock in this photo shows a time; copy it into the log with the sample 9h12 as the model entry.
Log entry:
11h12
